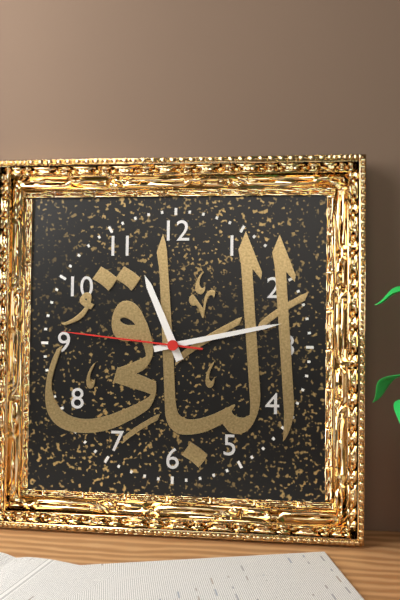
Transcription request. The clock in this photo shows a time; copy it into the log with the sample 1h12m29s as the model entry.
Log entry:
11h13m46s
